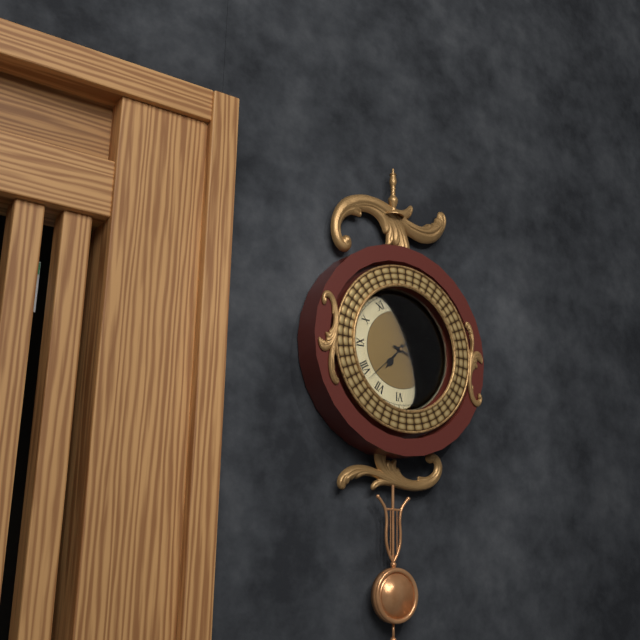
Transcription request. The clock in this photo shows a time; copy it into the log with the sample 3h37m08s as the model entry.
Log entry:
7h18m38s
